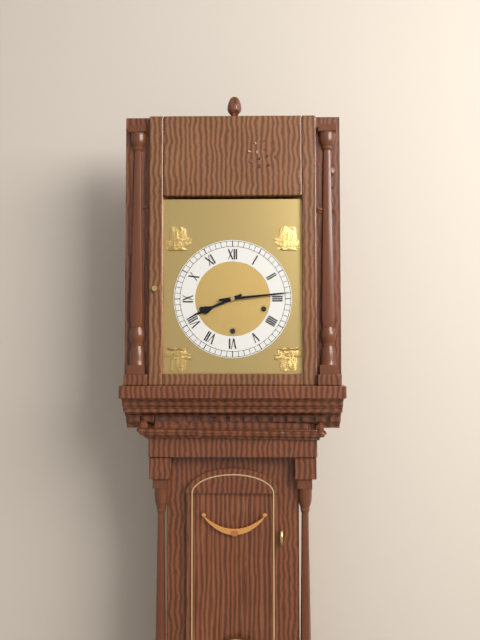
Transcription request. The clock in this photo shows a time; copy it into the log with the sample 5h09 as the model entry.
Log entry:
8h14
